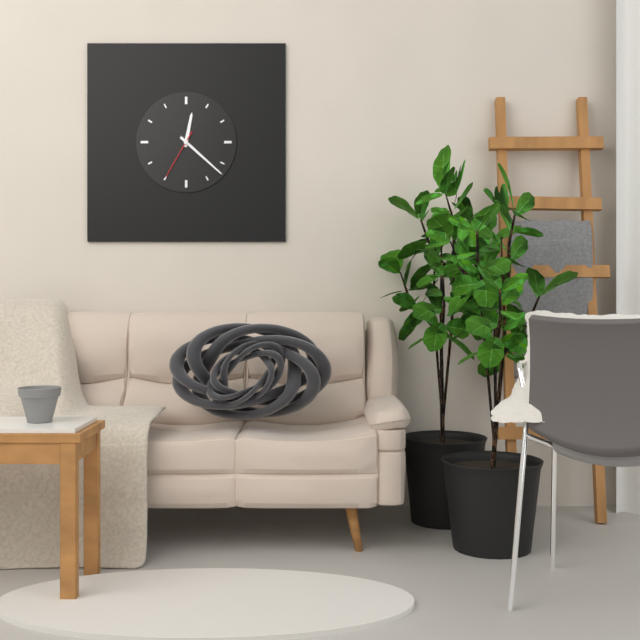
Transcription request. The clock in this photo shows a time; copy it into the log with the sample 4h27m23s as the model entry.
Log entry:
12h22m35s
